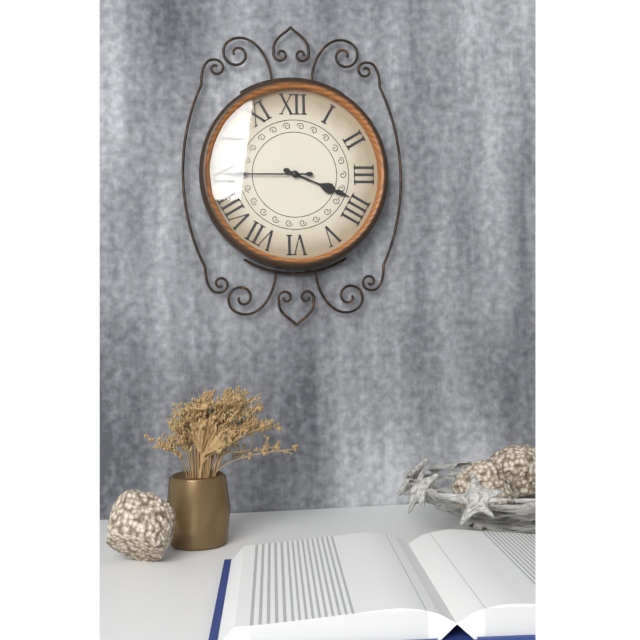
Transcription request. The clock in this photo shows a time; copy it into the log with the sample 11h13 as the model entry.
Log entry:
3h45
